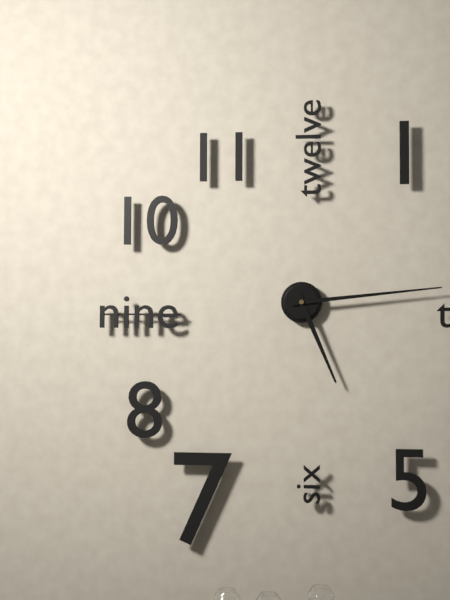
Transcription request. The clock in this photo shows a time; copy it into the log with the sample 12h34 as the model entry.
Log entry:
5h14
